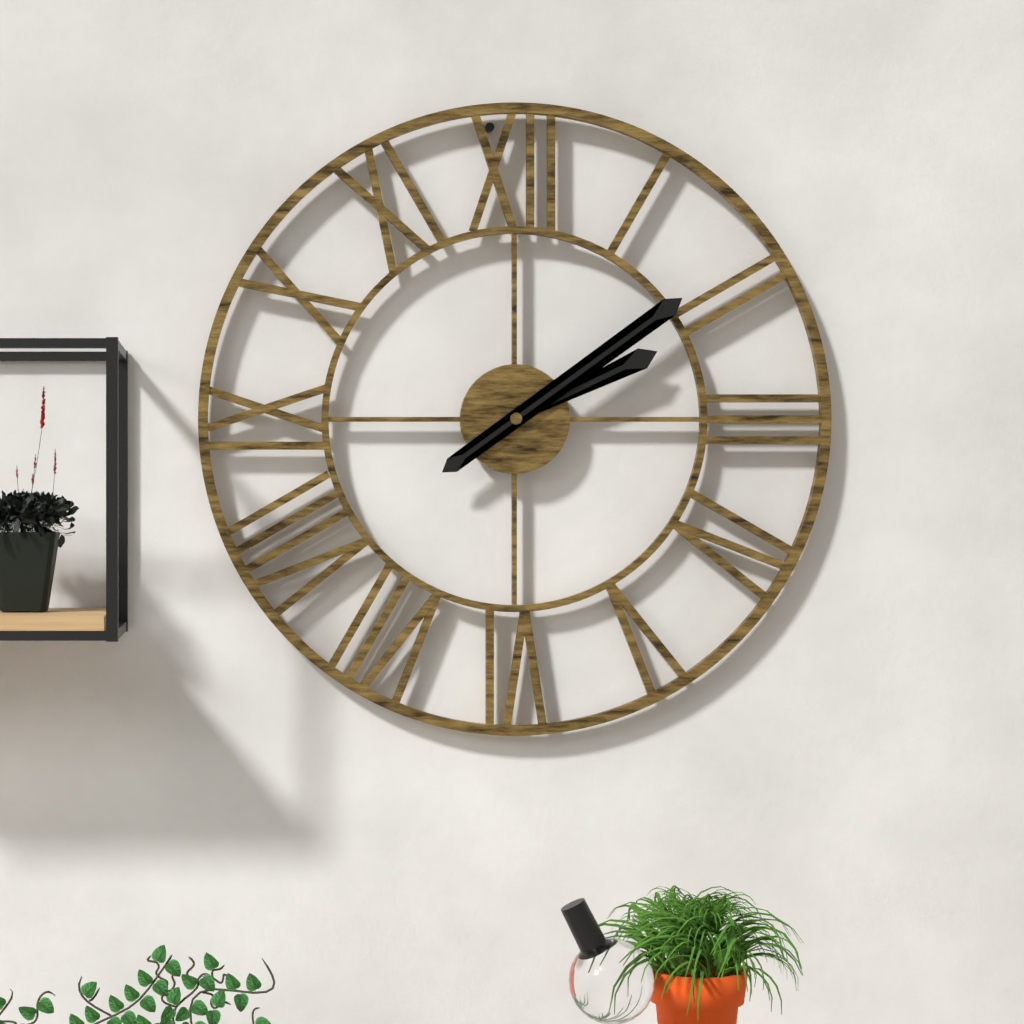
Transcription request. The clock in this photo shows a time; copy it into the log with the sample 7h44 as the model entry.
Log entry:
2h09
